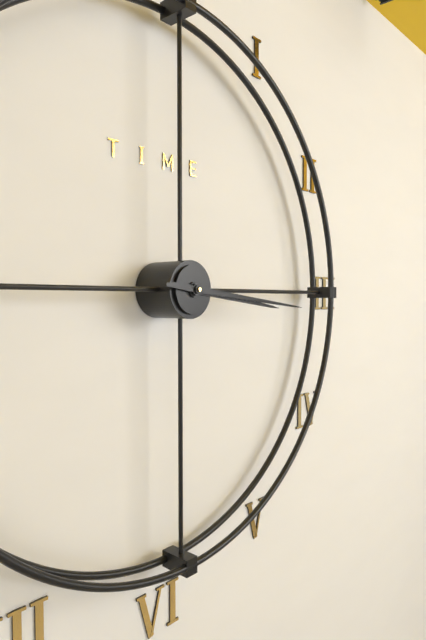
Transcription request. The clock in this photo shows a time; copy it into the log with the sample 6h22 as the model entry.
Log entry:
3h16
